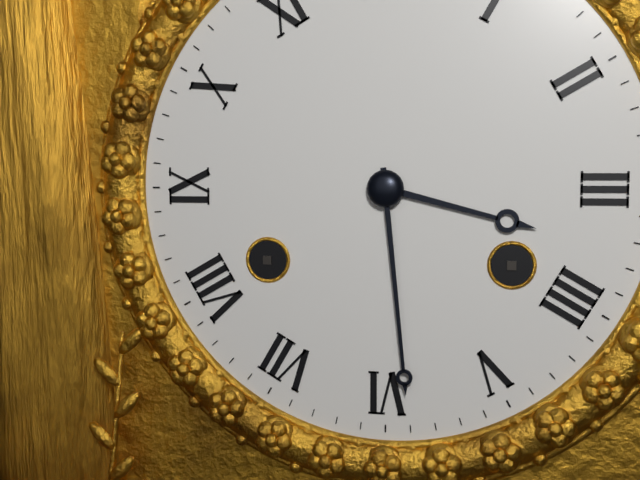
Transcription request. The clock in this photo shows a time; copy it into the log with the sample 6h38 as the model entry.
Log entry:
3h29
